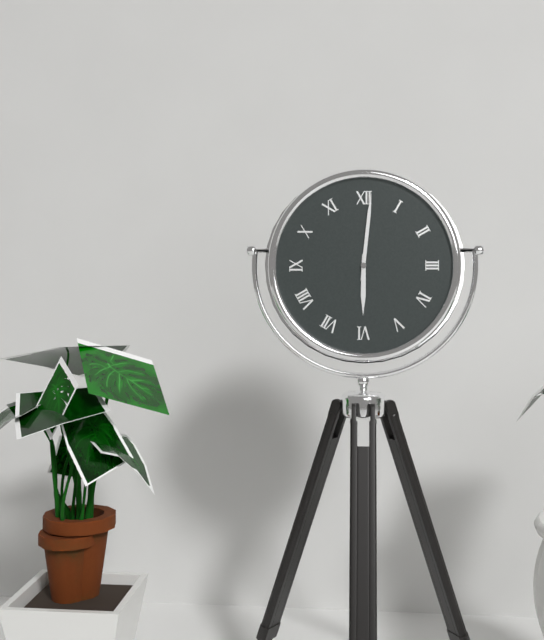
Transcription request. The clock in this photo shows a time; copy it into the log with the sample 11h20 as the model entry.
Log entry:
6h01
